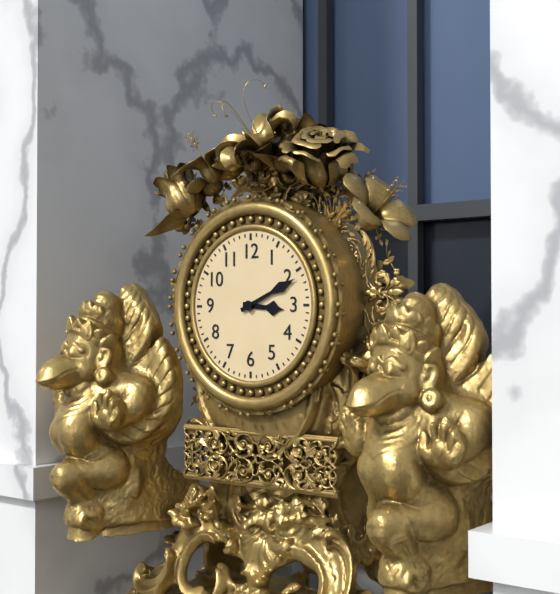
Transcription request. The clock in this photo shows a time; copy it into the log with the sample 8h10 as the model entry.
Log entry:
3h11
